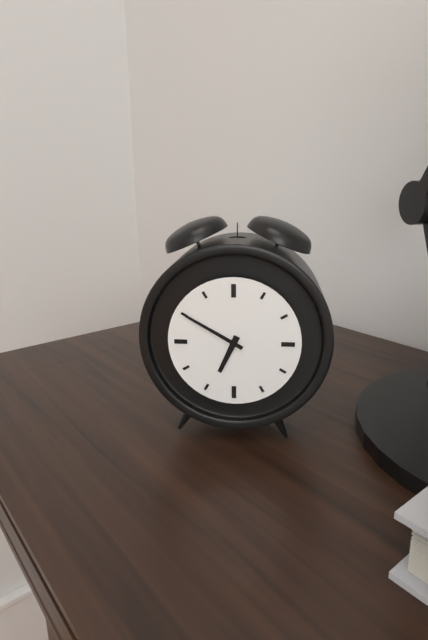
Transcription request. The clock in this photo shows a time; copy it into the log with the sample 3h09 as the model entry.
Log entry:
6h50
